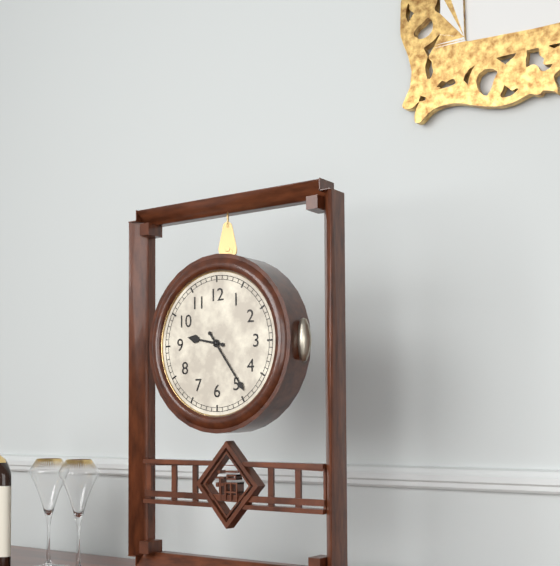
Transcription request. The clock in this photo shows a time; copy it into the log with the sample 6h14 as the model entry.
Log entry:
9h24
